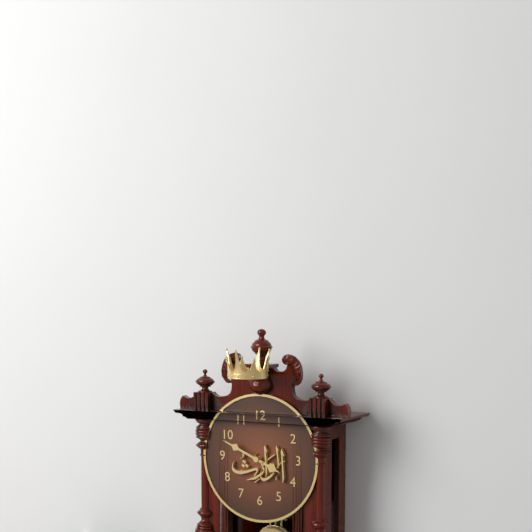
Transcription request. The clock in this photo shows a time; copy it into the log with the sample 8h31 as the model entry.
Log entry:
3h49
